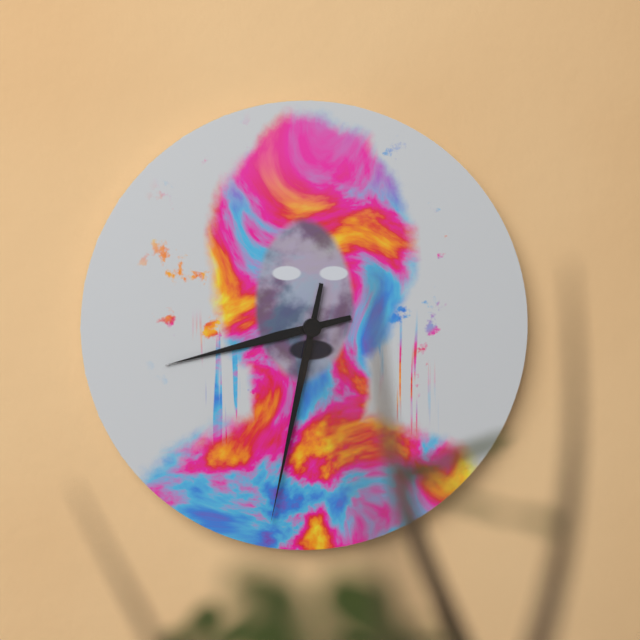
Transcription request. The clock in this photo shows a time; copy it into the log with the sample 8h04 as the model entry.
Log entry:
8h32
